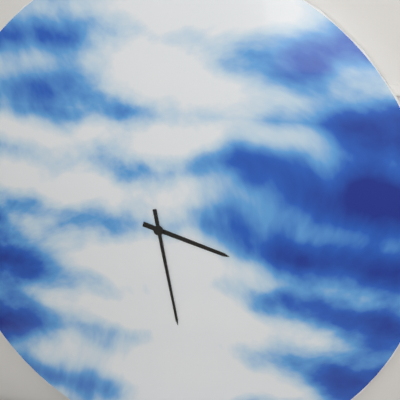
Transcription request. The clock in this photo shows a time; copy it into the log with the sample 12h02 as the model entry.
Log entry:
3h28
